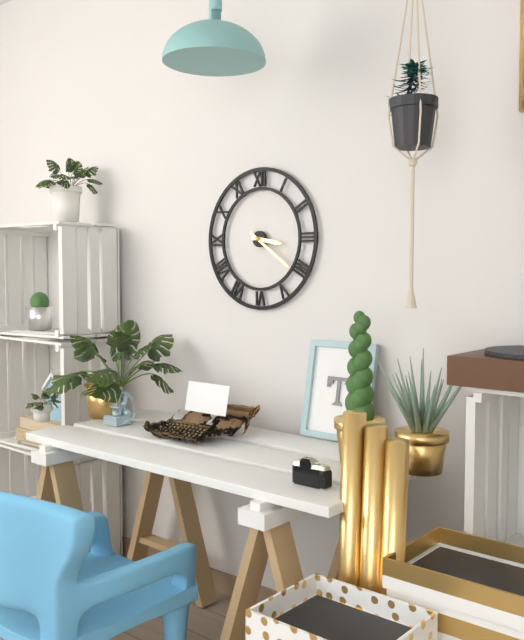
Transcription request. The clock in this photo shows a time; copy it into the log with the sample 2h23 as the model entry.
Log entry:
3h21
